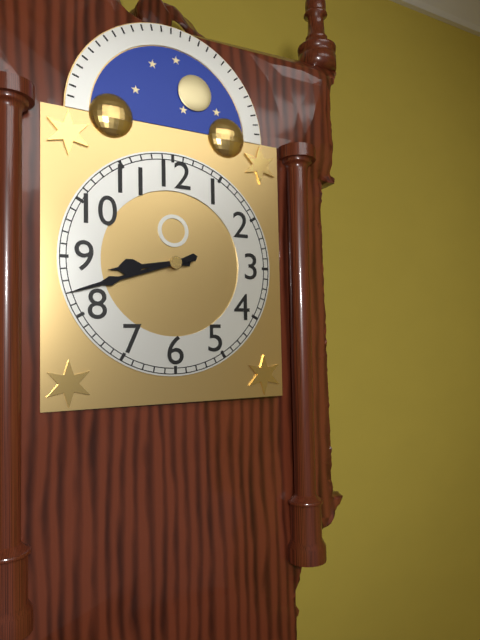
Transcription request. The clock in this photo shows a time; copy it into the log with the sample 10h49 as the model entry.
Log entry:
8h42
